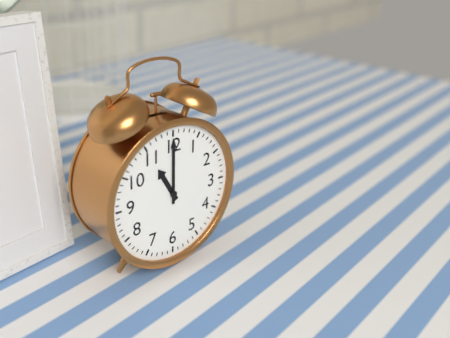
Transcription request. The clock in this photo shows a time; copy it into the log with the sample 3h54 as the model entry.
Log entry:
11h00
